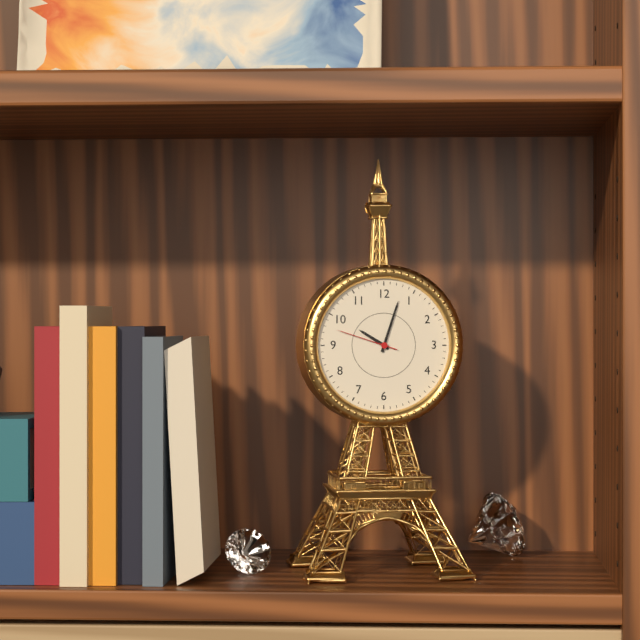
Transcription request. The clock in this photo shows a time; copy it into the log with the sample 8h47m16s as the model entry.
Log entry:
10h03m48s
